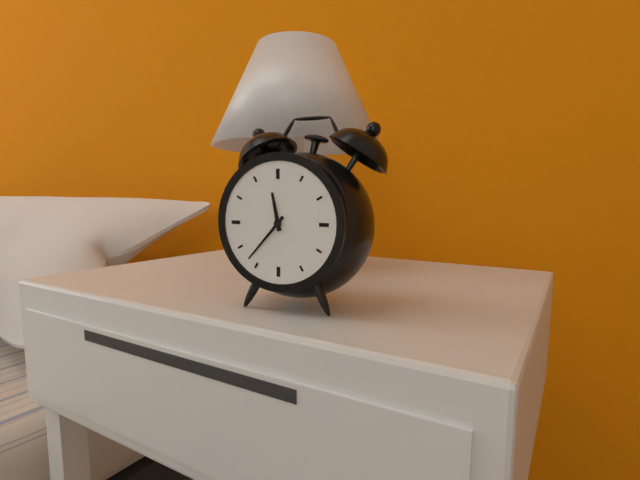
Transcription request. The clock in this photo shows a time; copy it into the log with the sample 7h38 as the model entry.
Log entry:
11h37
